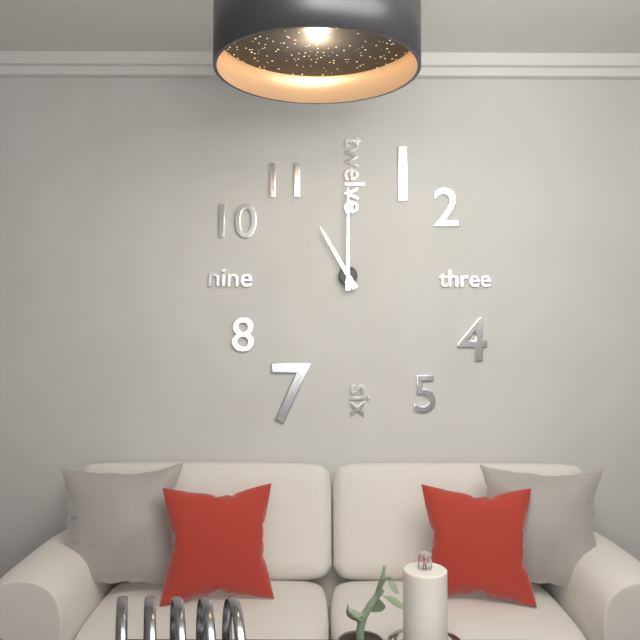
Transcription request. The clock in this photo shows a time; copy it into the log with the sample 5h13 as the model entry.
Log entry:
11h00
